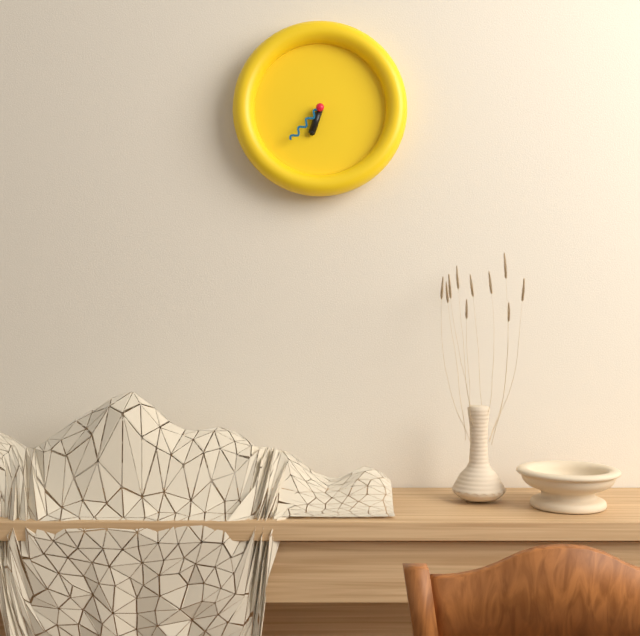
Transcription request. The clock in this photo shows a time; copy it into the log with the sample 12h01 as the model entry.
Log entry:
6h37
